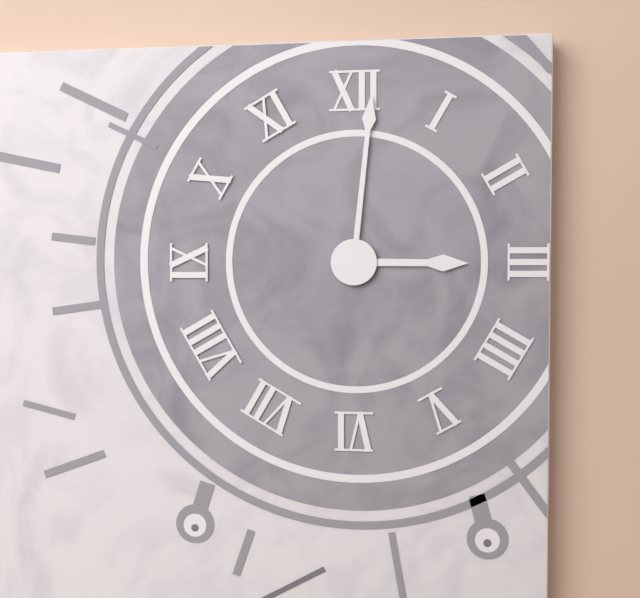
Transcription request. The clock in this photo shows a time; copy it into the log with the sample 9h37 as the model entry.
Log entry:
3h01
